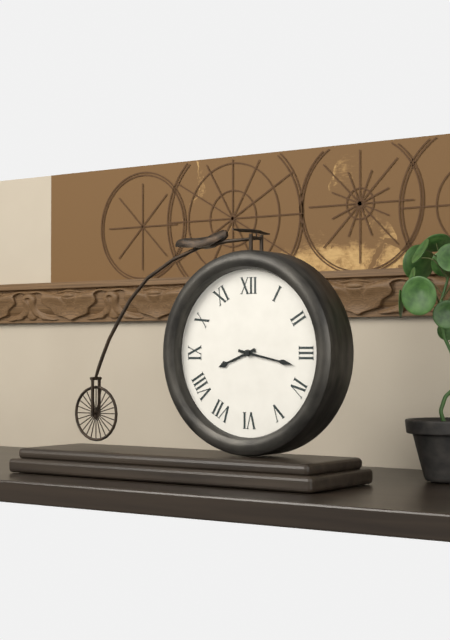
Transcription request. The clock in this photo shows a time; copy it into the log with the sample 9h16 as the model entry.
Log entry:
8h17
